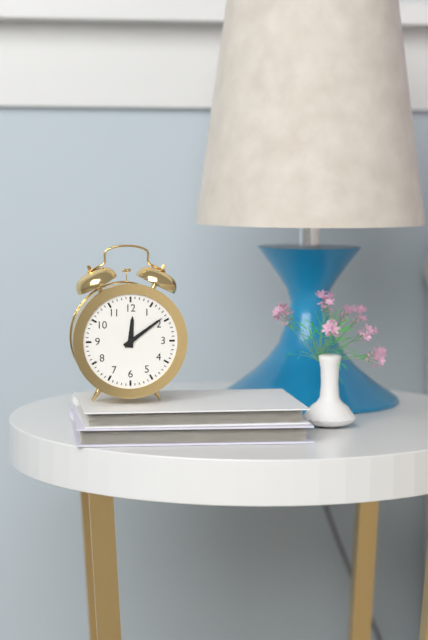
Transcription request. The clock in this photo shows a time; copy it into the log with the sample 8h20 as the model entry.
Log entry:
12h09
